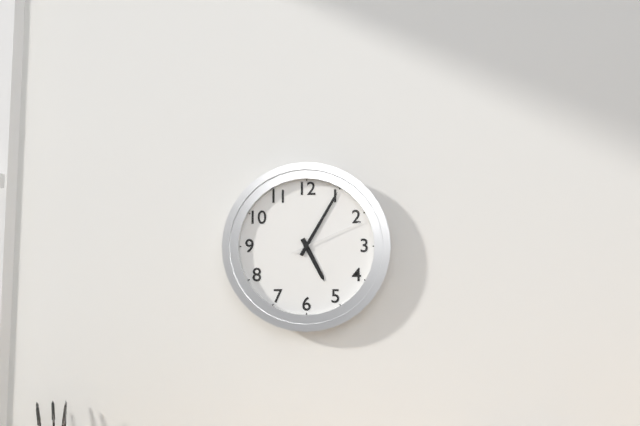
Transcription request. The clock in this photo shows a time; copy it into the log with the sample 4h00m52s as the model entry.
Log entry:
5h05m11s
